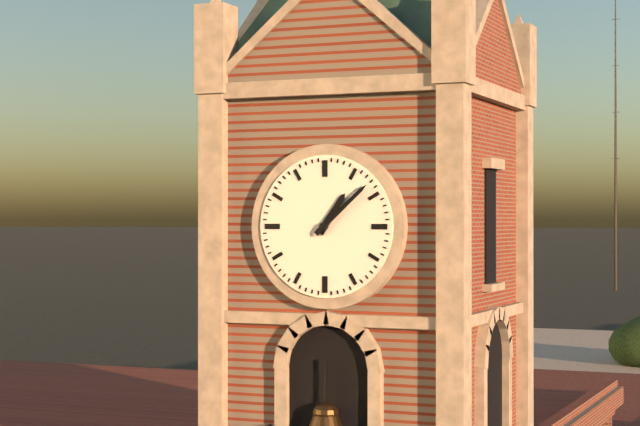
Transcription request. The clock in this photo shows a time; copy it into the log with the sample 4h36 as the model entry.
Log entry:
1h08
